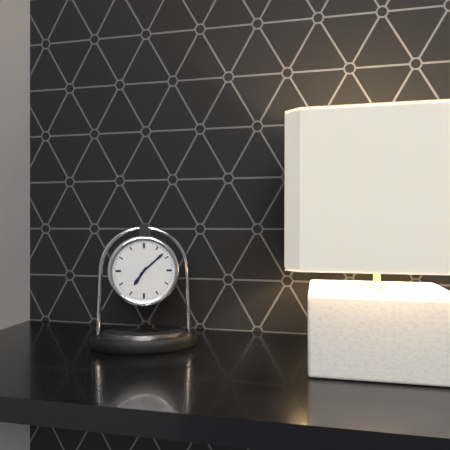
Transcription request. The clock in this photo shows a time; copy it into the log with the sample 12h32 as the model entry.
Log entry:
7h08
